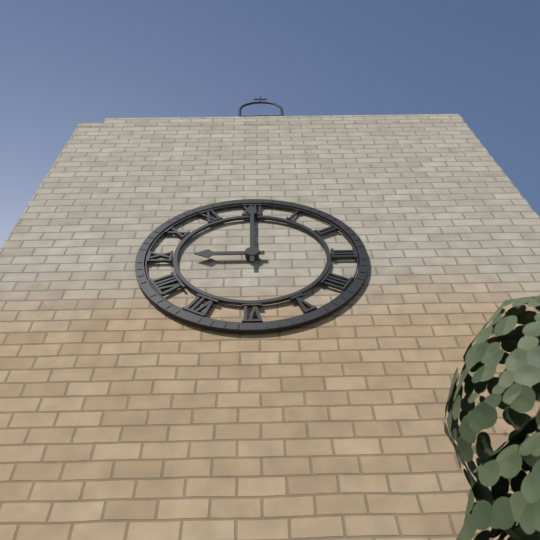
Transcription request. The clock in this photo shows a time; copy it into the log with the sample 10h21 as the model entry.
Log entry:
9h00
